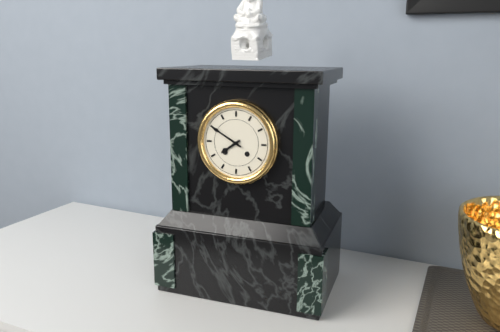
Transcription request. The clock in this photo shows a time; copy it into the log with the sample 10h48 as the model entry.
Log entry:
7h50
